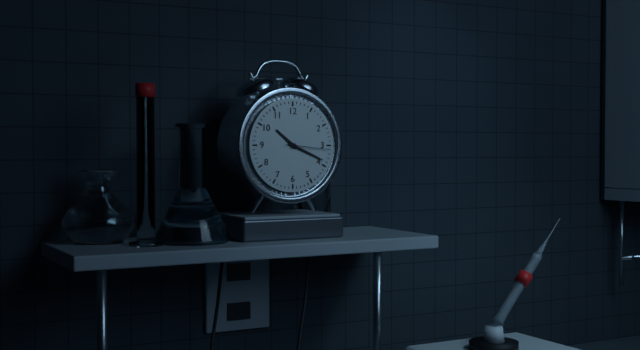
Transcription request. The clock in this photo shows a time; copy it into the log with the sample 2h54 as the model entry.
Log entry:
10h19
